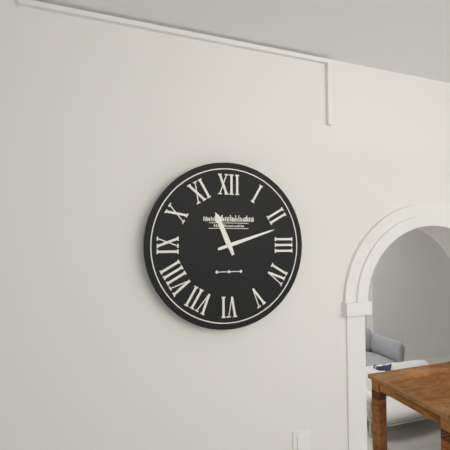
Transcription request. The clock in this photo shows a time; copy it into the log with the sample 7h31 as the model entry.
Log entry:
11h12
